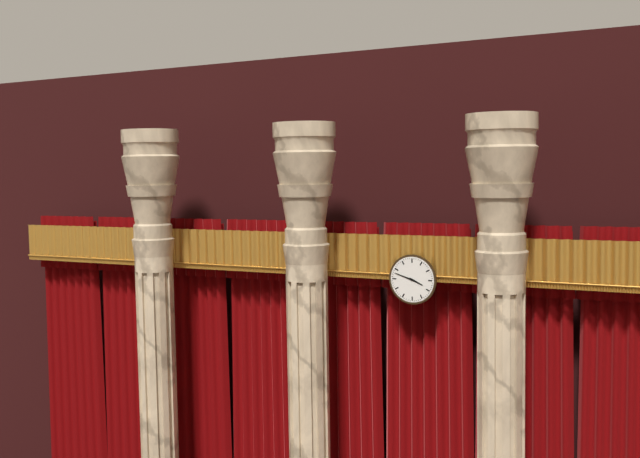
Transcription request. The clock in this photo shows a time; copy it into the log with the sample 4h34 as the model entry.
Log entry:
3h48
